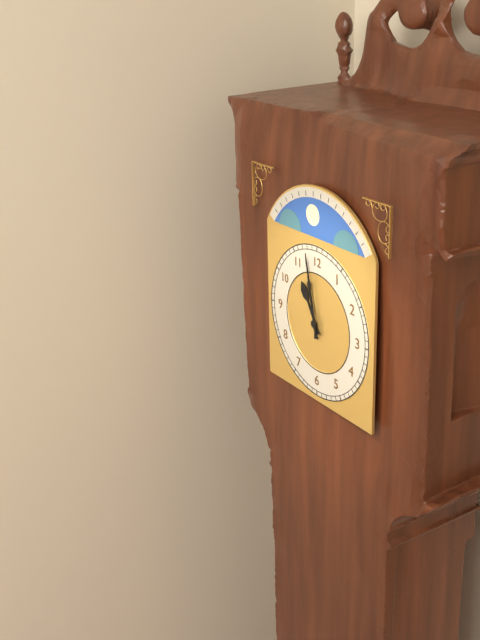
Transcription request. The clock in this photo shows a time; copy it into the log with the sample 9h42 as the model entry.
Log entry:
10h58
